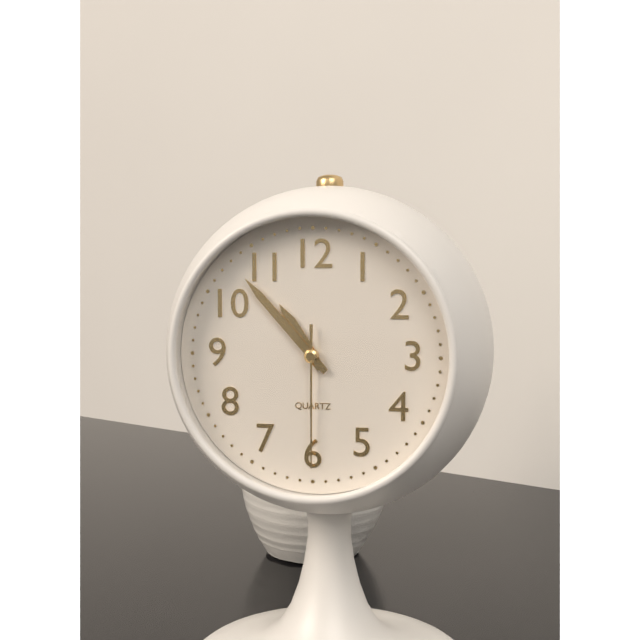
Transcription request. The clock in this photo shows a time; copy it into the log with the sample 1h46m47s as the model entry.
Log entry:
10h53m30s
